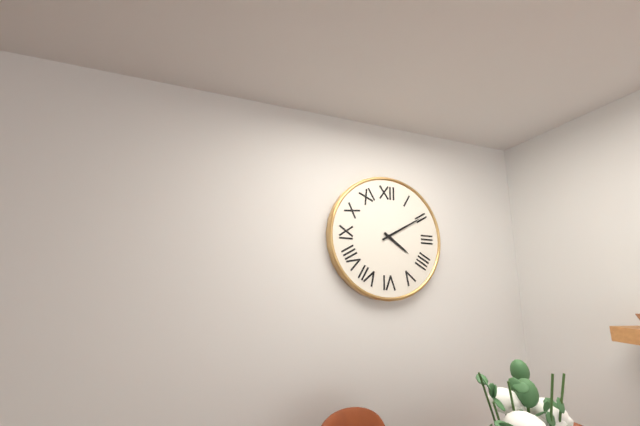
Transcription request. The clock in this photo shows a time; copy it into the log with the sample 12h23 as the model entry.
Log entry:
4h10
